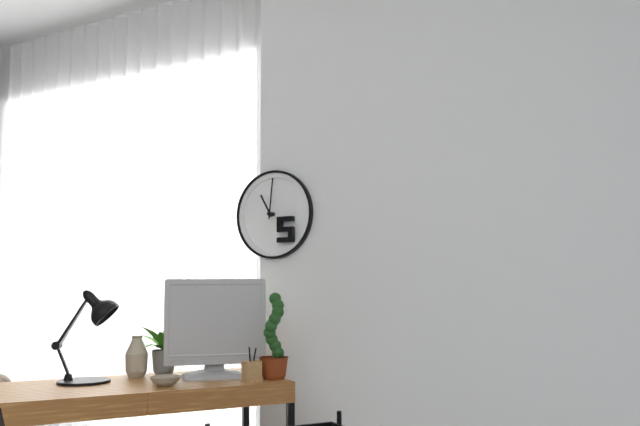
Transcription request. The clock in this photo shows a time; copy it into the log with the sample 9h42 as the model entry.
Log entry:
11h01
